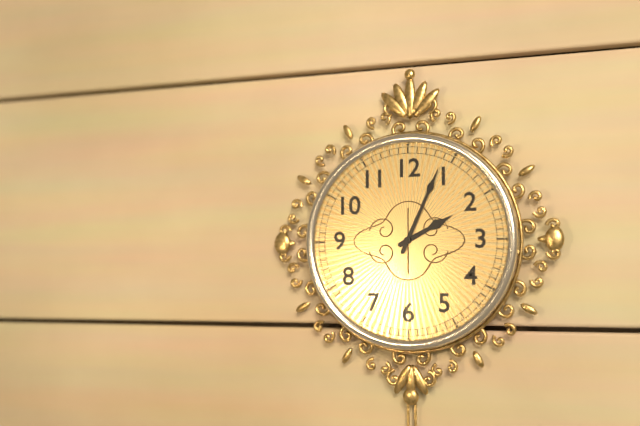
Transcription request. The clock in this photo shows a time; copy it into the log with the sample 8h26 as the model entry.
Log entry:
2h04
